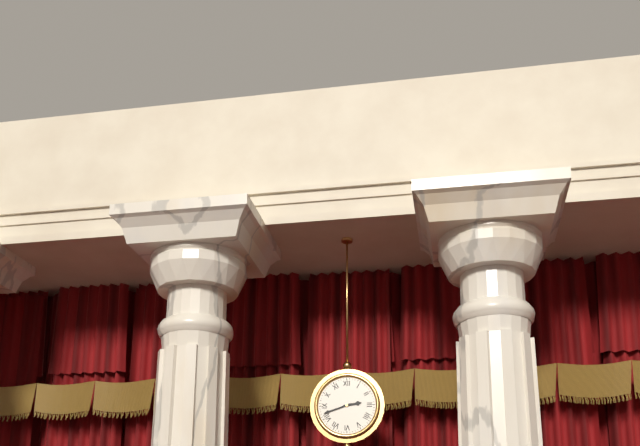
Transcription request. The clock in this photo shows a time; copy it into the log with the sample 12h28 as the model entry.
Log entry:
2h42
